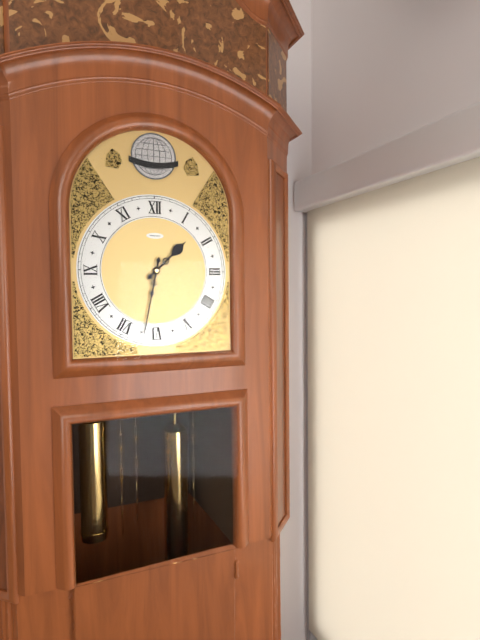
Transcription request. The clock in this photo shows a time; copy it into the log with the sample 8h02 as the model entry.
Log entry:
1h32
